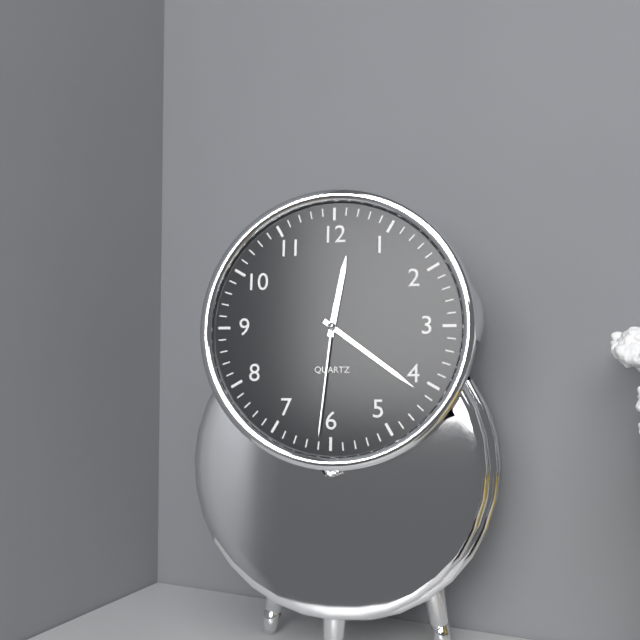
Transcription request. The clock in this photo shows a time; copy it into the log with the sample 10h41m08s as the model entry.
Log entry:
12h21m31s
